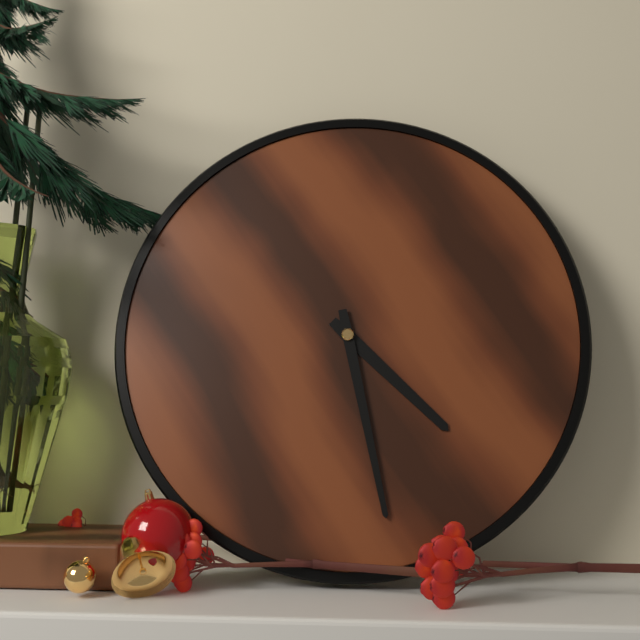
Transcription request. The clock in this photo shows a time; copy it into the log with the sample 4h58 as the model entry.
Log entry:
4h28
